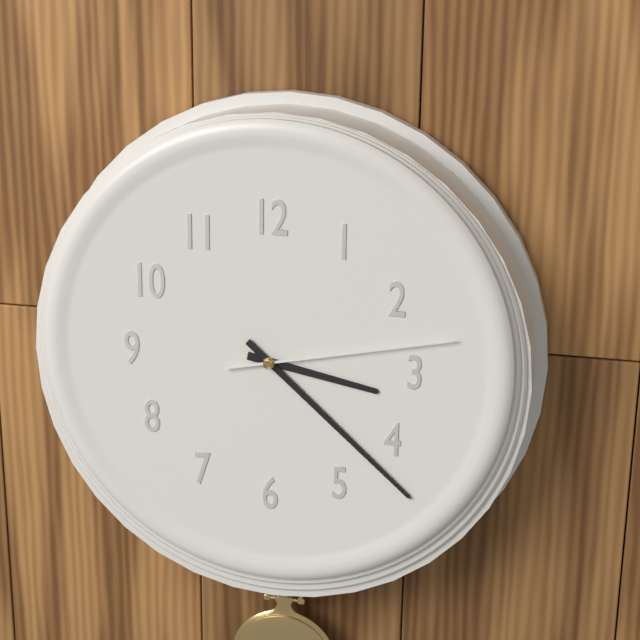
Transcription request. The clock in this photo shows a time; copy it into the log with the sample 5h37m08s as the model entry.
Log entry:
3h22m13s
